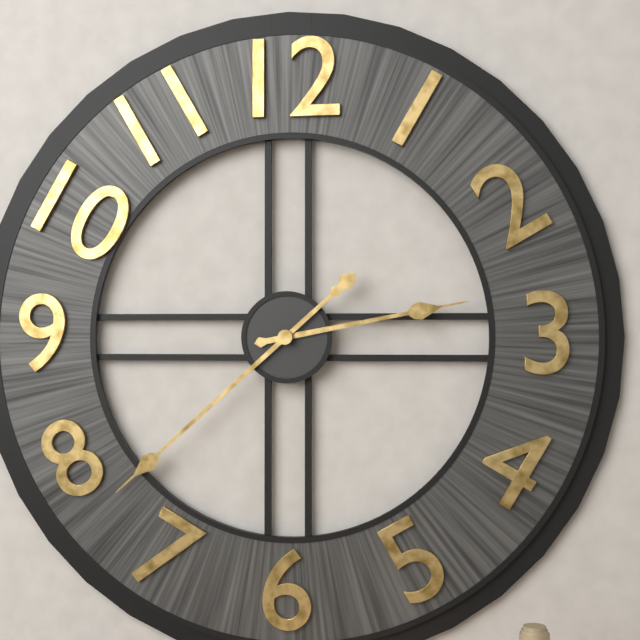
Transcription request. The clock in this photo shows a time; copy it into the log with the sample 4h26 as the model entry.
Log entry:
2h38
